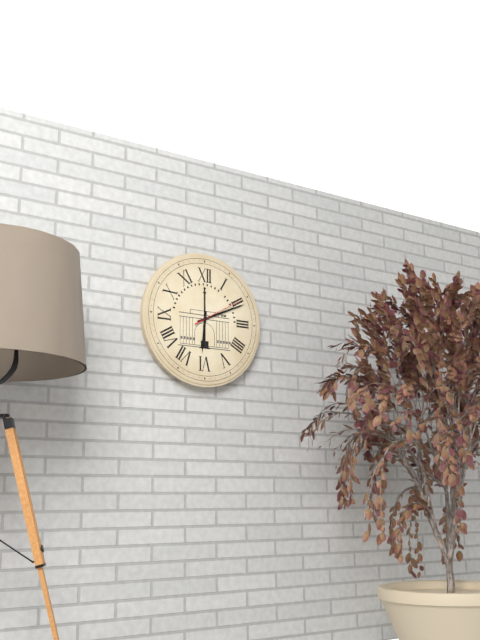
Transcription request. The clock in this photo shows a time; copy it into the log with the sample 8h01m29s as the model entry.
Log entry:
6h11m10s
